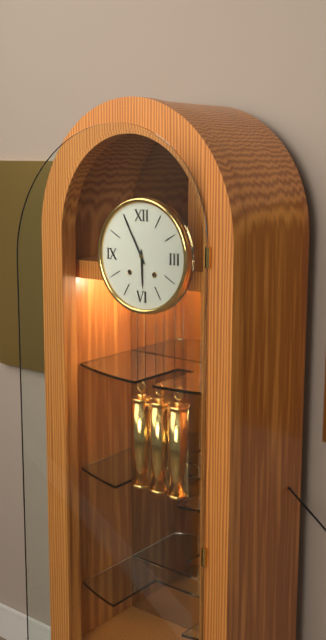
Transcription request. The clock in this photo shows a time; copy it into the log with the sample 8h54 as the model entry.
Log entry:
5h55
